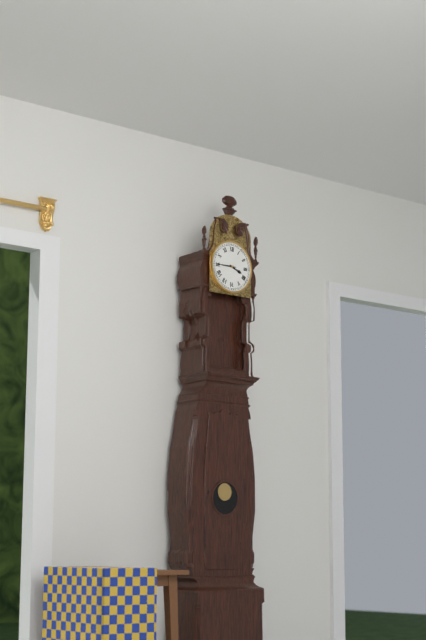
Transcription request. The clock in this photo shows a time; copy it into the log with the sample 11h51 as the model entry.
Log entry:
3h45
